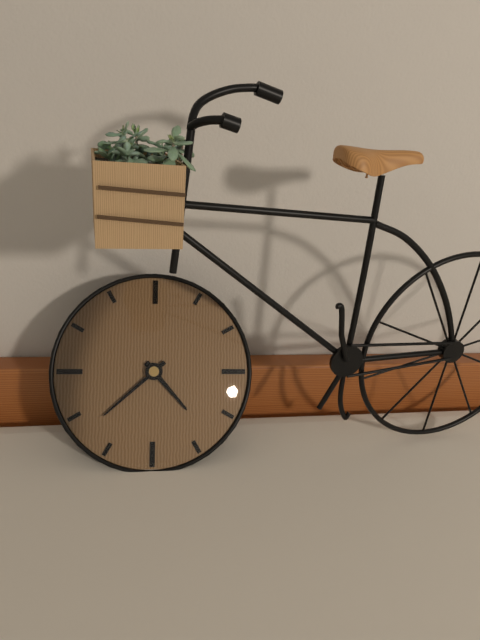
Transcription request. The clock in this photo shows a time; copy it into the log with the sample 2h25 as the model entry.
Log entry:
4h38
